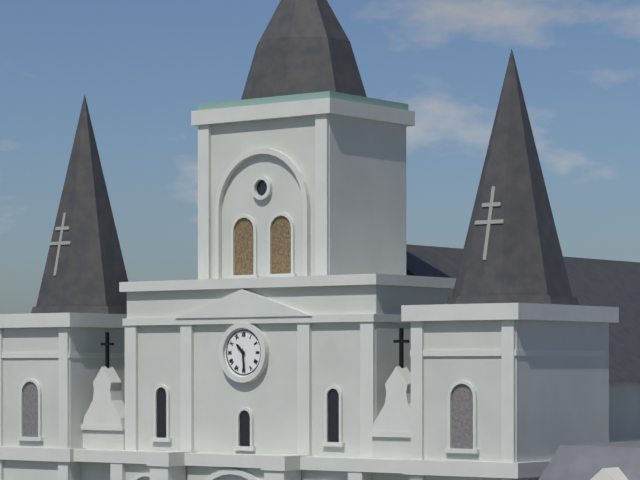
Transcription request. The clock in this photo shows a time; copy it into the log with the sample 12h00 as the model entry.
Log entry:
10h29
